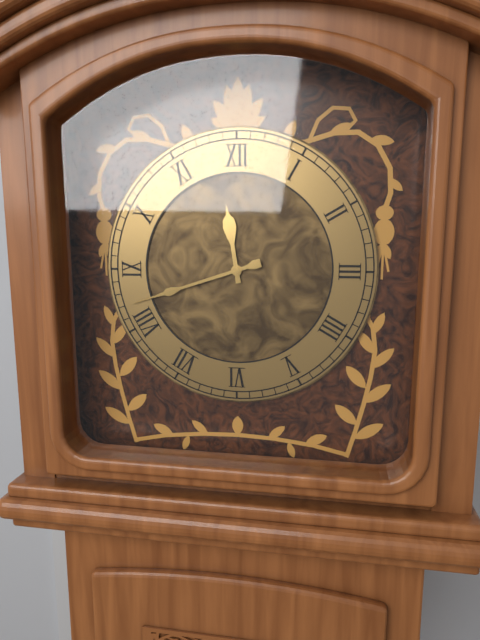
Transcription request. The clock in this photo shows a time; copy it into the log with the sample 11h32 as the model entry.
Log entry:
11h42
